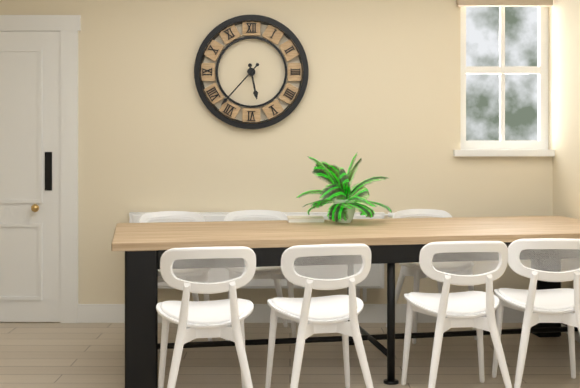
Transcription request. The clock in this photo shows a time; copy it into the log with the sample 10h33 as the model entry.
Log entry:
5h37
